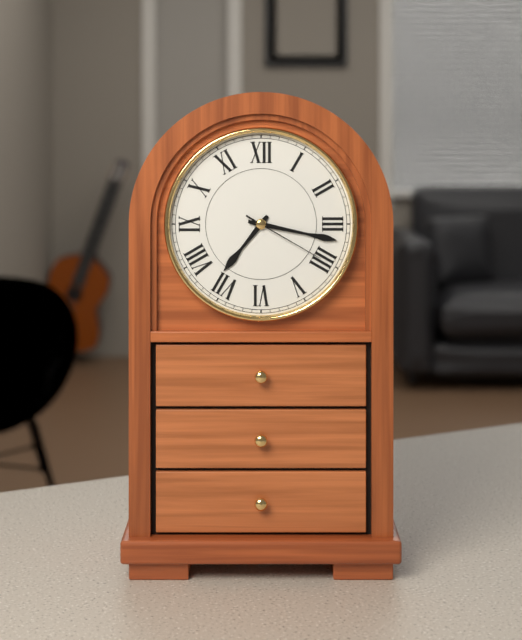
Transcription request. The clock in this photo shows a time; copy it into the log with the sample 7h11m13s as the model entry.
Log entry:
7h17m20s
